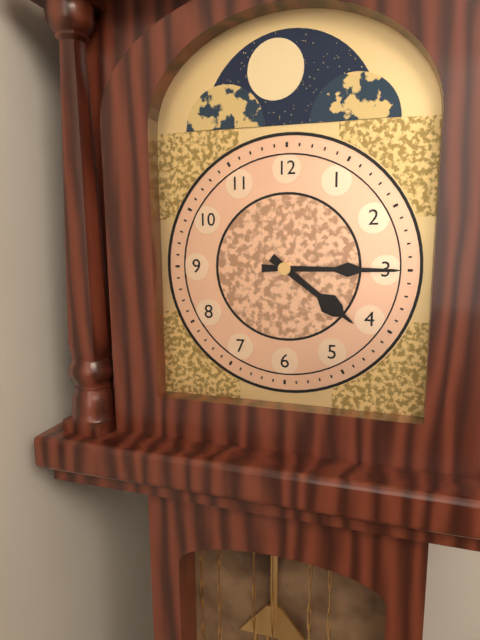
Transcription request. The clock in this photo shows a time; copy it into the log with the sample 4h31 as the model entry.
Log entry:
4h15
